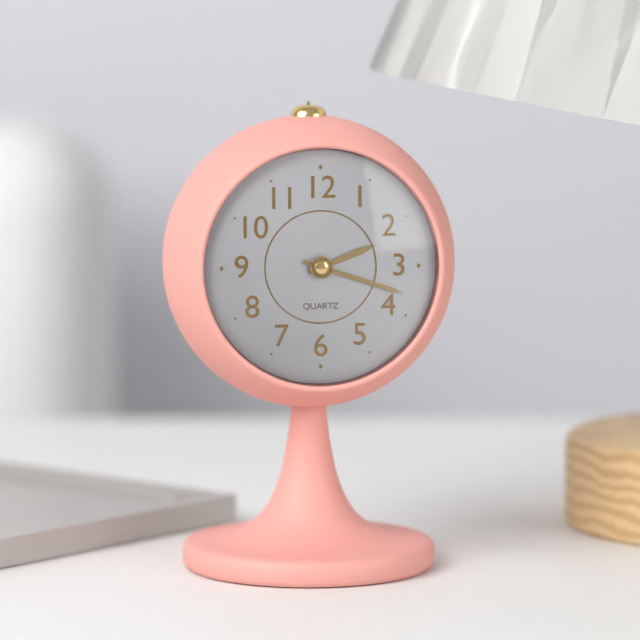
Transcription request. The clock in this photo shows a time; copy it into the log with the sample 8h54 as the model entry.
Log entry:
2h18
